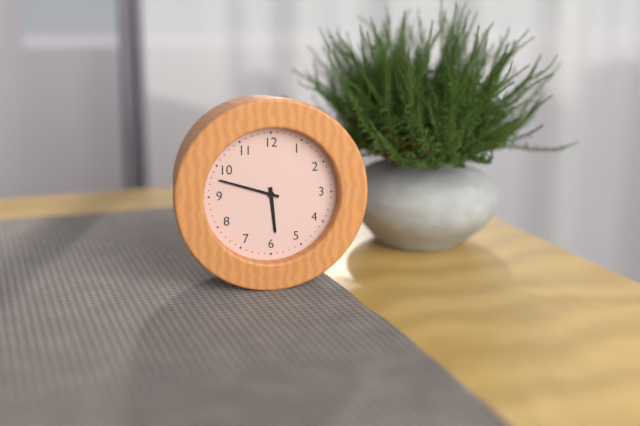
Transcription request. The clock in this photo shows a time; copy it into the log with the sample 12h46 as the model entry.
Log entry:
5h48
